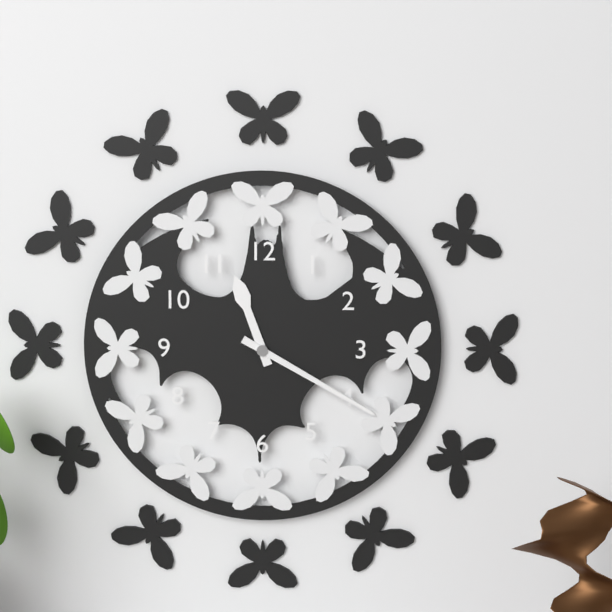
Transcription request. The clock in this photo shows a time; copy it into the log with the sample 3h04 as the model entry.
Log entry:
11h20
